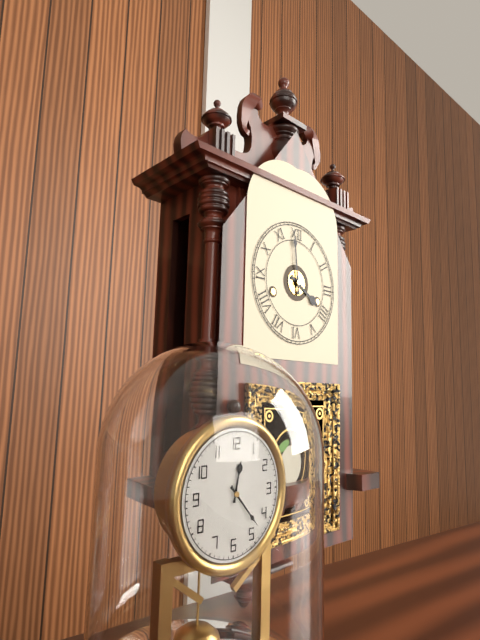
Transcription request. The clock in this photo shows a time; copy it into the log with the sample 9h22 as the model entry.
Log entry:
3h59
